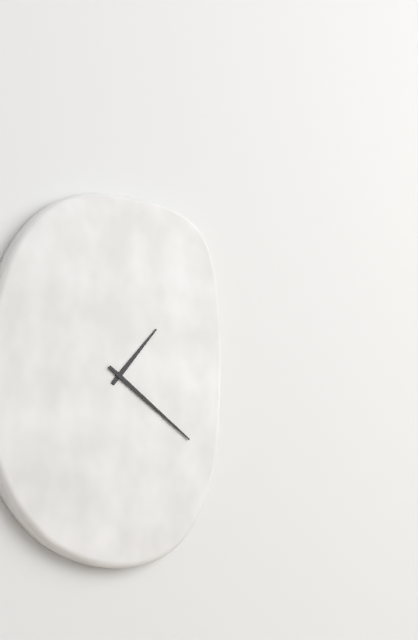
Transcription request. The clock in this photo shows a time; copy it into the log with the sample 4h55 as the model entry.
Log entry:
1h21
